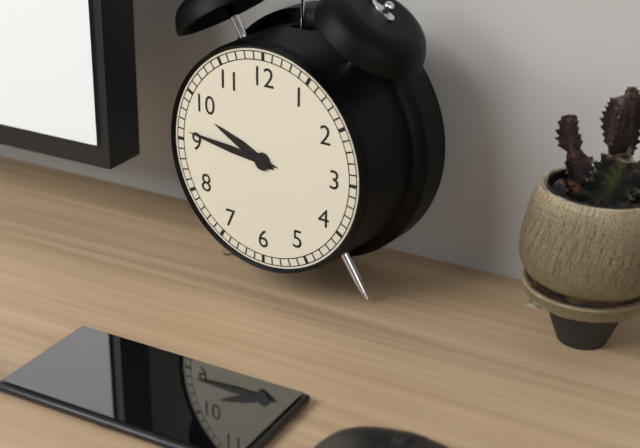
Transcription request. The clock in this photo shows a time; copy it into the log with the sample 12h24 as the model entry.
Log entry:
9h46
